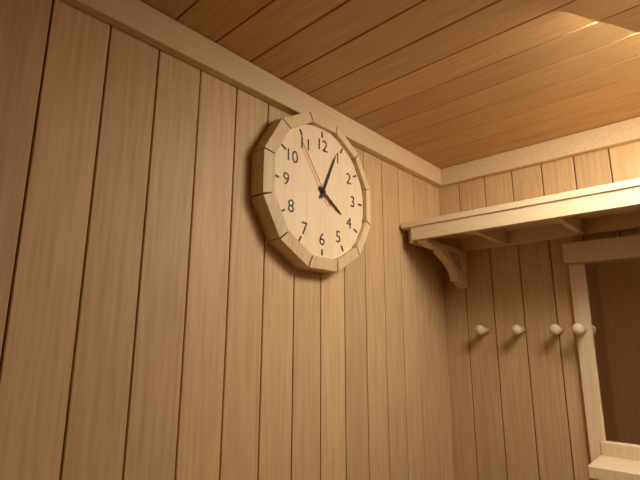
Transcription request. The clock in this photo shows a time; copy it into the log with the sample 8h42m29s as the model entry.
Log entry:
4h04m54s
